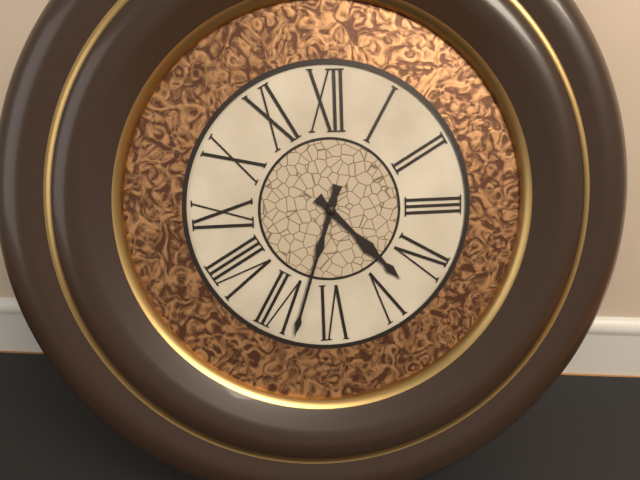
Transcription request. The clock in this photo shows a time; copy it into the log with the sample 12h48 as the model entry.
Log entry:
4h33
